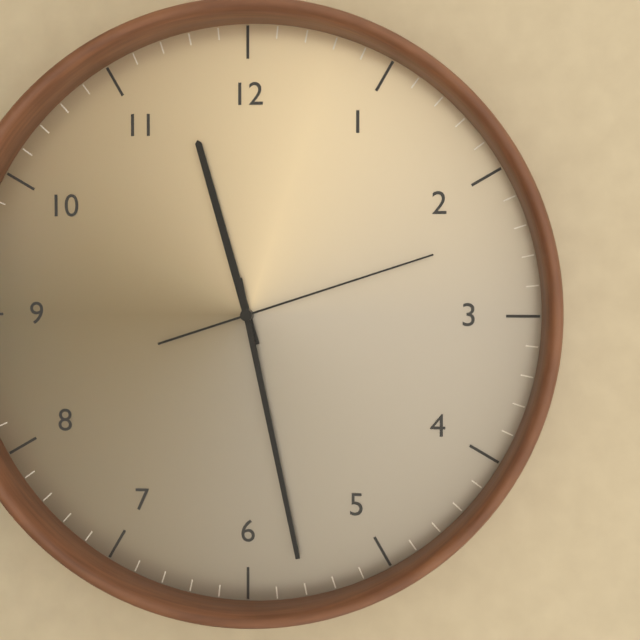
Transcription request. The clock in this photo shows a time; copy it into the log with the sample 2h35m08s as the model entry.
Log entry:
11h28m12s
